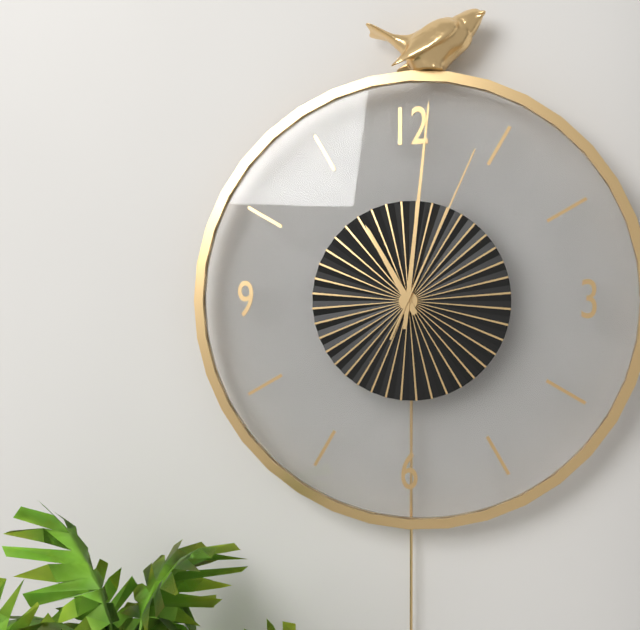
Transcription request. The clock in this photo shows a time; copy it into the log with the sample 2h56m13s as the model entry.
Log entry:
11h01m04s
